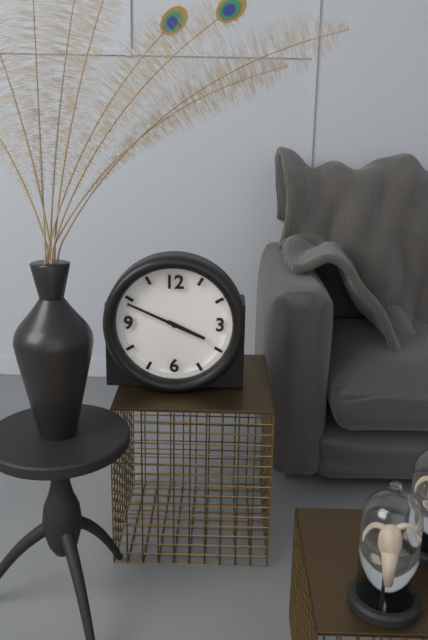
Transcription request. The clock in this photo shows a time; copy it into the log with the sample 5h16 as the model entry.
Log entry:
3h49
